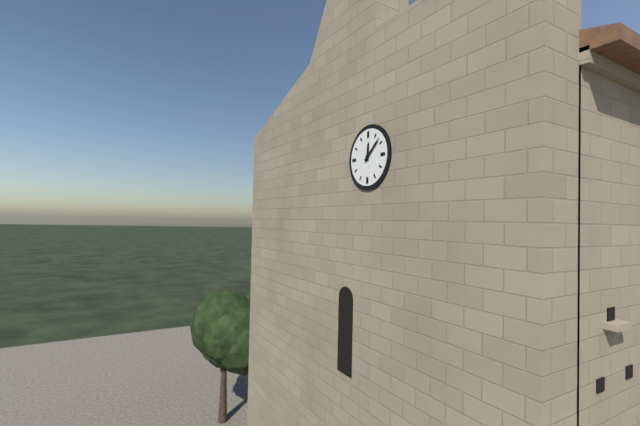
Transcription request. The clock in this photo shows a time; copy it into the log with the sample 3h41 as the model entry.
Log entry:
12h08
